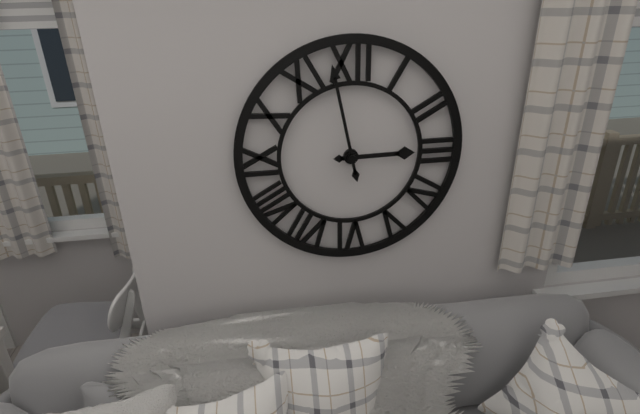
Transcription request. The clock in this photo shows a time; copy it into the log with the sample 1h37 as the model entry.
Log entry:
2h58
